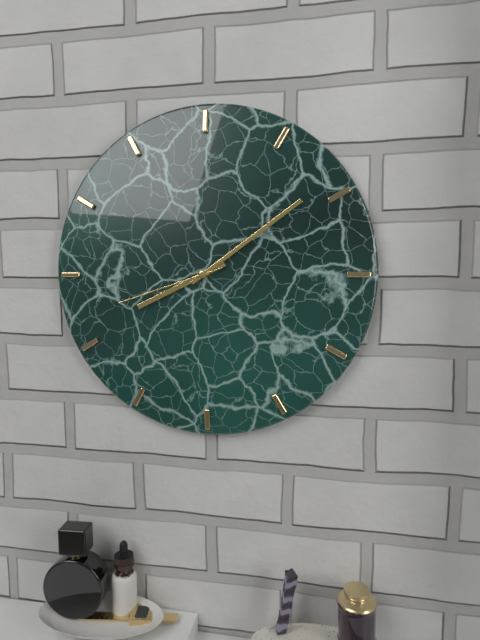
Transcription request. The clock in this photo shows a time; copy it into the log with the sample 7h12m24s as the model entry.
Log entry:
8h09m42s
